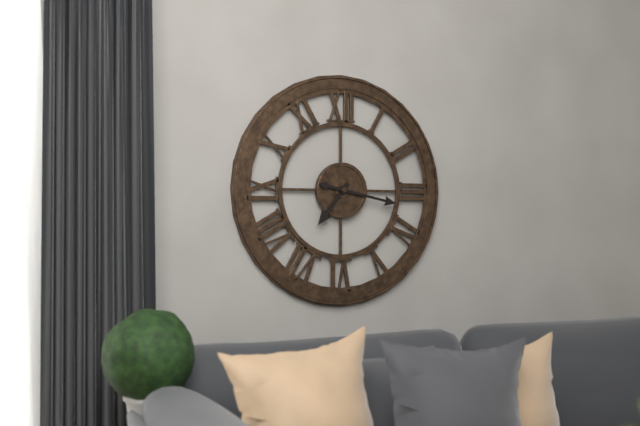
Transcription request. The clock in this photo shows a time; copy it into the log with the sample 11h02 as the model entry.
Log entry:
7h17
